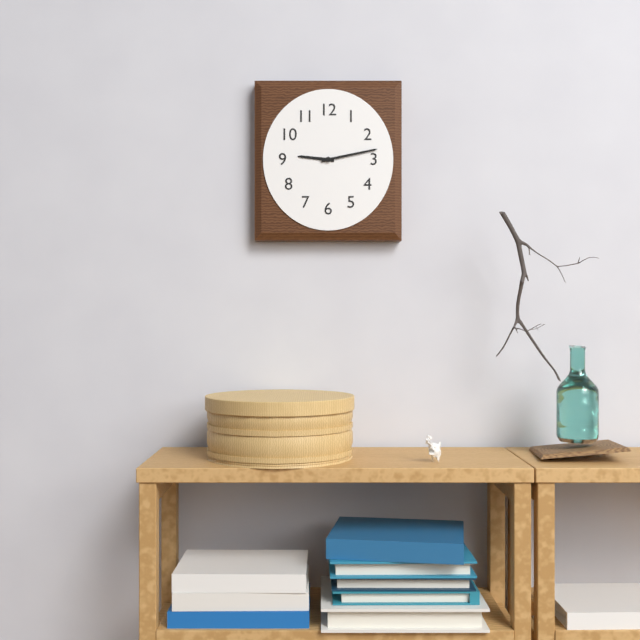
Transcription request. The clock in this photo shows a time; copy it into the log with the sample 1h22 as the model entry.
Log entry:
9h13
